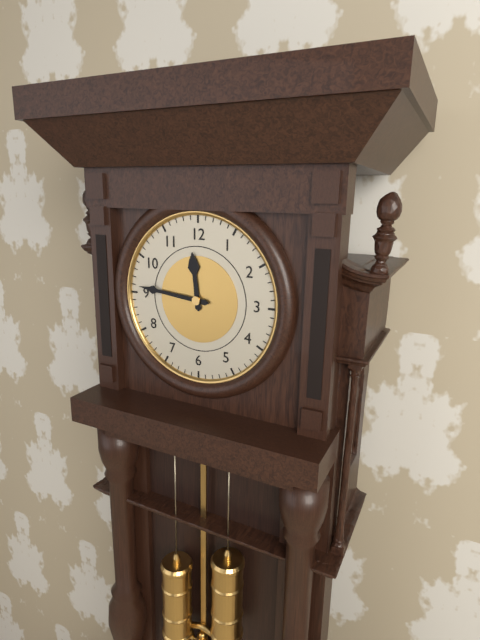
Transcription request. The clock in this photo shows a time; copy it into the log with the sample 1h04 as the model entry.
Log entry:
11h46
